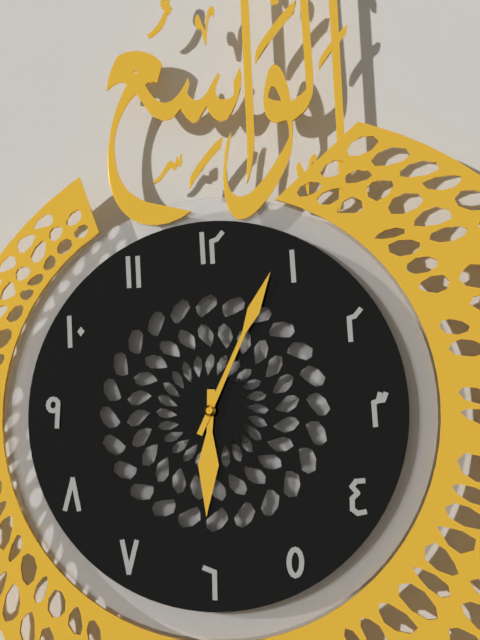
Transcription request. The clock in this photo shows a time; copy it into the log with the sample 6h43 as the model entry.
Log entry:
6h04
